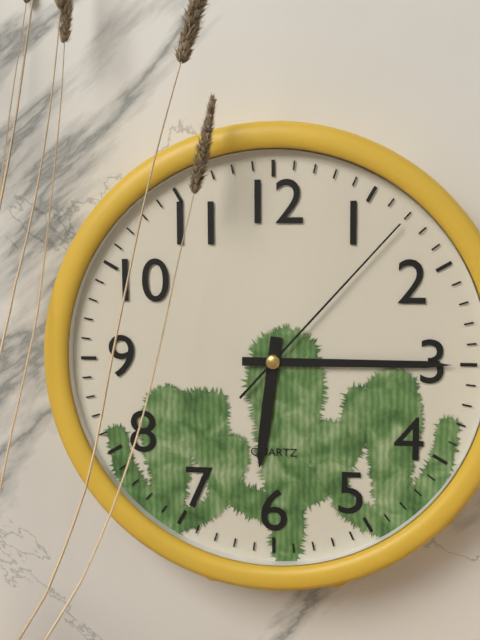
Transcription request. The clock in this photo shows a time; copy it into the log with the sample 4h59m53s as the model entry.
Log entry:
6h15m07s
